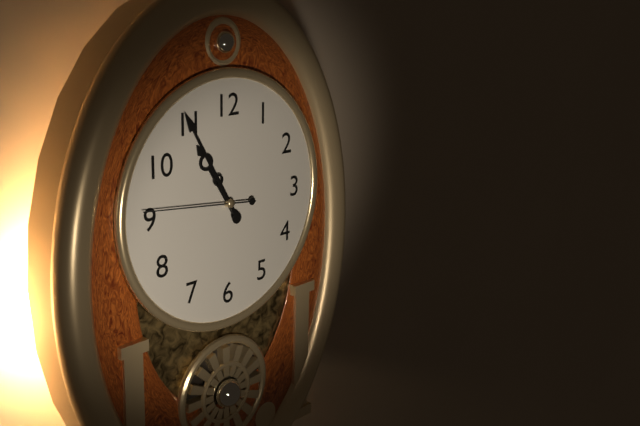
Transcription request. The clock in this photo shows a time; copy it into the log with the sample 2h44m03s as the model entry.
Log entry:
10h55m46s
